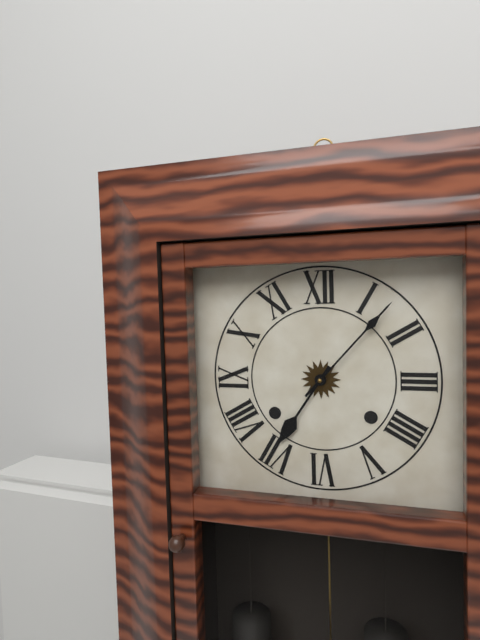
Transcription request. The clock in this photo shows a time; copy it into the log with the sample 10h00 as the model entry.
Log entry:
7h07
